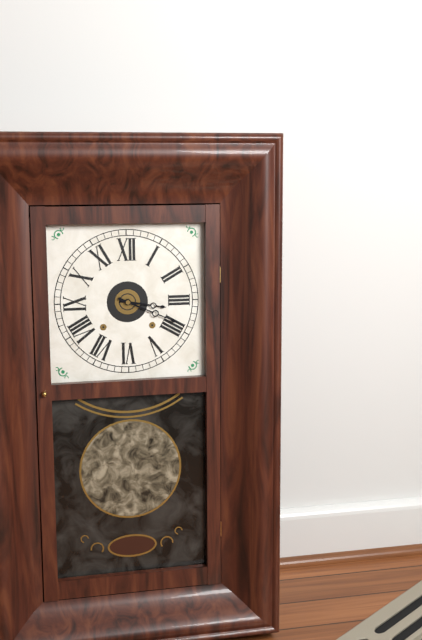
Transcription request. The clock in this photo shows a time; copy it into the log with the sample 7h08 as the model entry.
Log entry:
3h19
